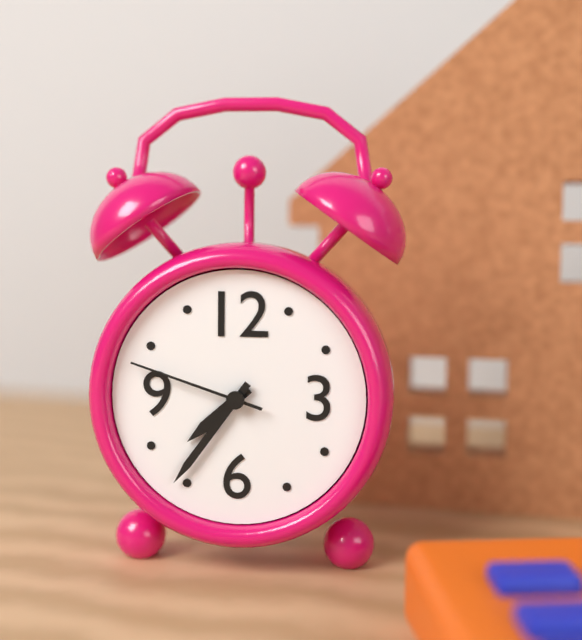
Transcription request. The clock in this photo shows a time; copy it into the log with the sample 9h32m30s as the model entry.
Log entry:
7h36m48s
